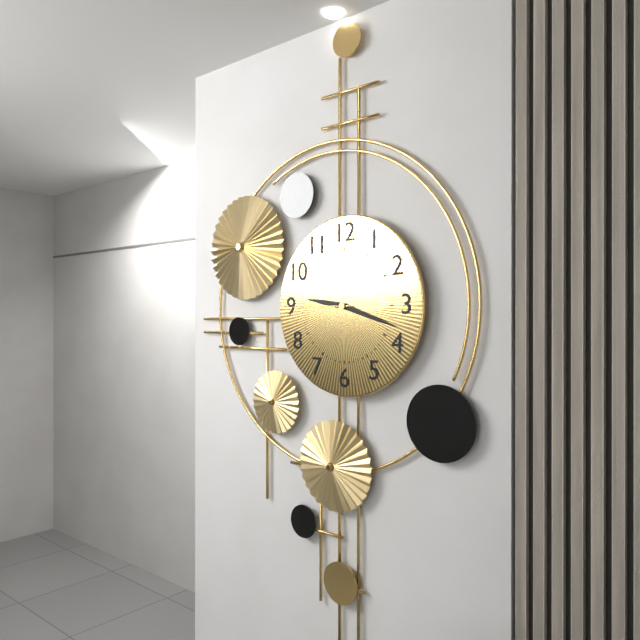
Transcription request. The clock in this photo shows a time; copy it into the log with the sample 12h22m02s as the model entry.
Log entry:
9h18m45s
